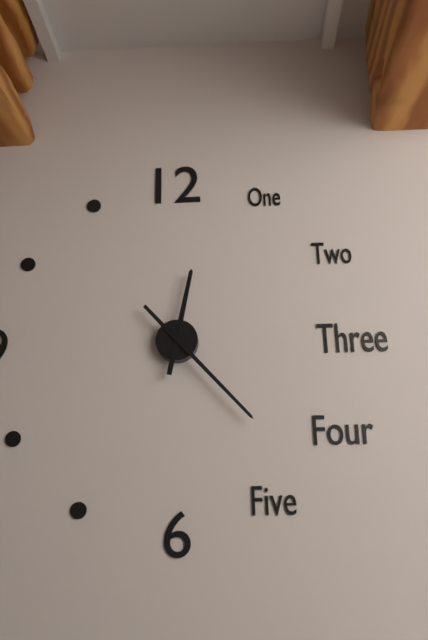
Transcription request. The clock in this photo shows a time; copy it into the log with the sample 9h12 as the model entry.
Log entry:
12h23
